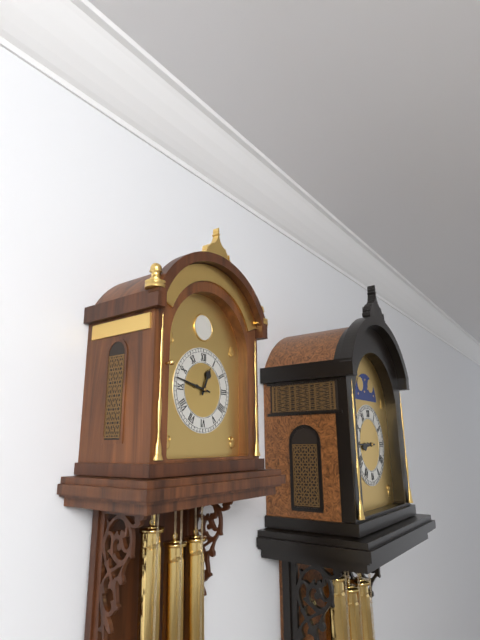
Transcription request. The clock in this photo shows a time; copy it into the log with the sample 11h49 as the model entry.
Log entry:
12h47
